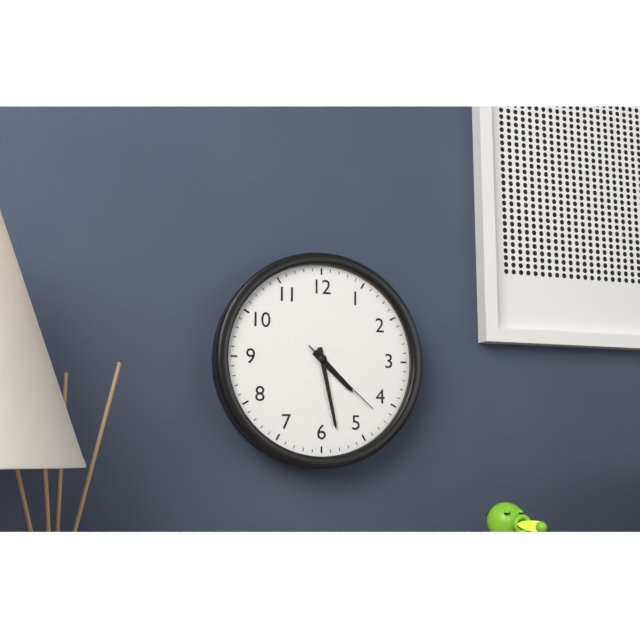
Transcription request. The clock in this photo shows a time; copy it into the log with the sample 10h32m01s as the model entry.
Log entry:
4h28m22s
